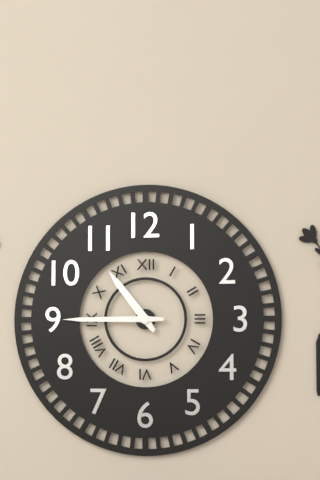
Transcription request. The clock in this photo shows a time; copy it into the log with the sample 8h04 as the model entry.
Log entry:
10h45
